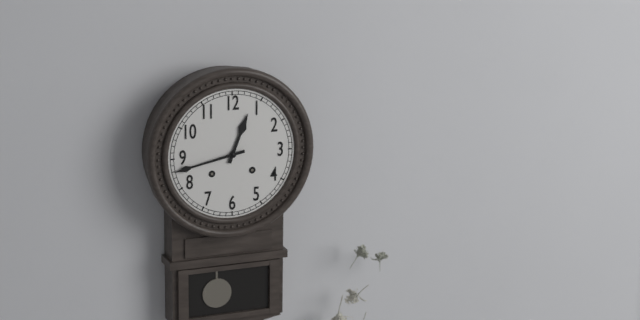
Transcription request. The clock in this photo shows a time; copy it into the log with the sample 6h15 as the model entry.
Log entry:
12h43
